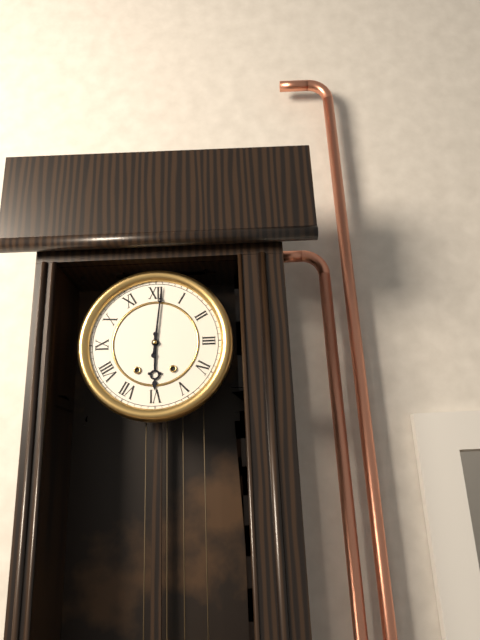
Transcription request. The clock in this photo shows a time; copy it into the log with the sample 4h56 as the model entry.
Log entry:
6h01
